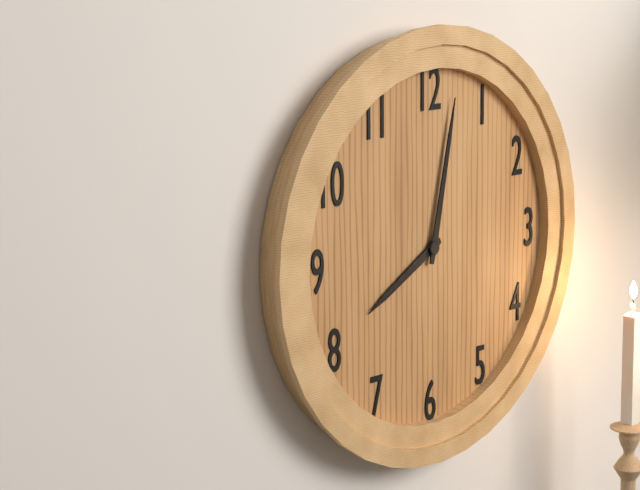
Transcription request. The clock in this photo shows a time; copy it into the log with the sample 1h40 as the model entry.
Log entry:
8h02
